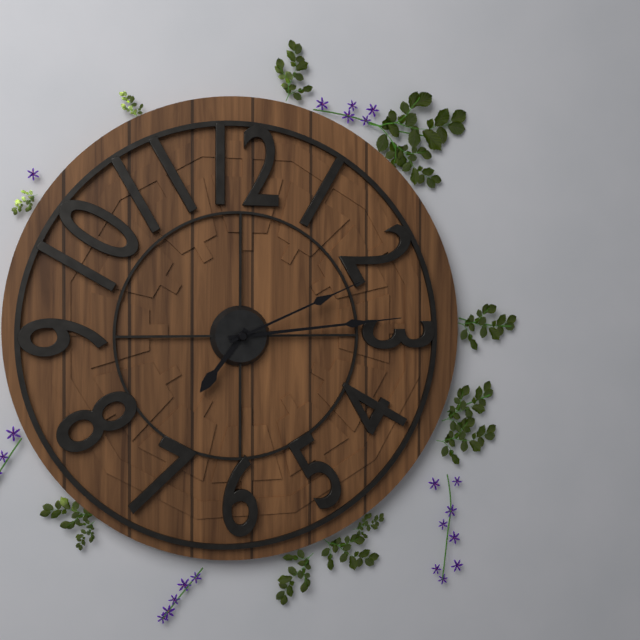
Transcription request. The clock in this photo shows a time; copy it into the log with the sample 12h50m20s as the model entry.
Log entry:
7h14m11s
